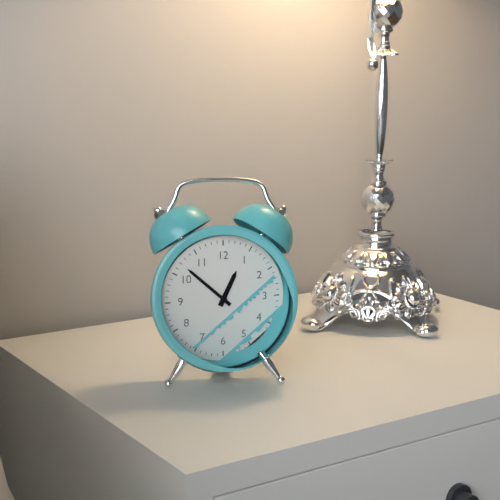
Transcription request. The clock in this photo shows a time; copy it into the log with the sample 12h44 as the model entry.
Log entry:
12h52
